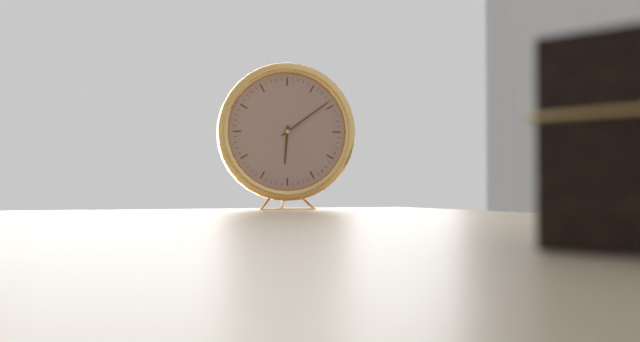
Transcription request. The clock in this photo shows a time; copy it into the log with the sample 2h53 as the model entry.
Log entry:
6h09
